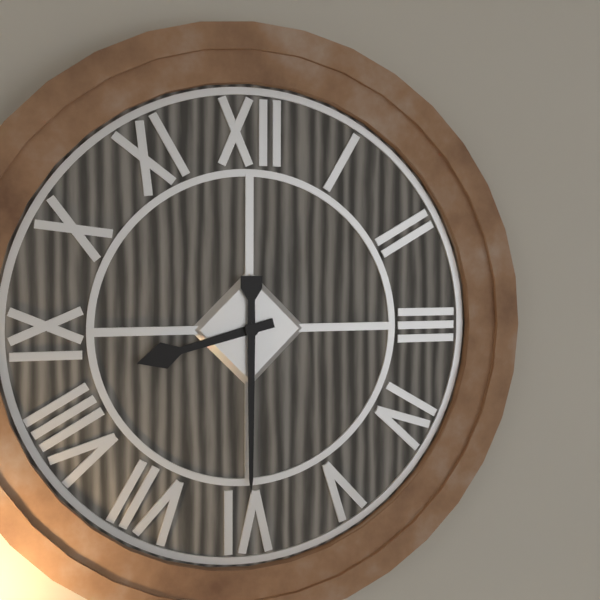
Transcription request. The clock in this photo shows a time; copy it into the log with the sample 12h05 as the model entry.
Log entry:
8h30
